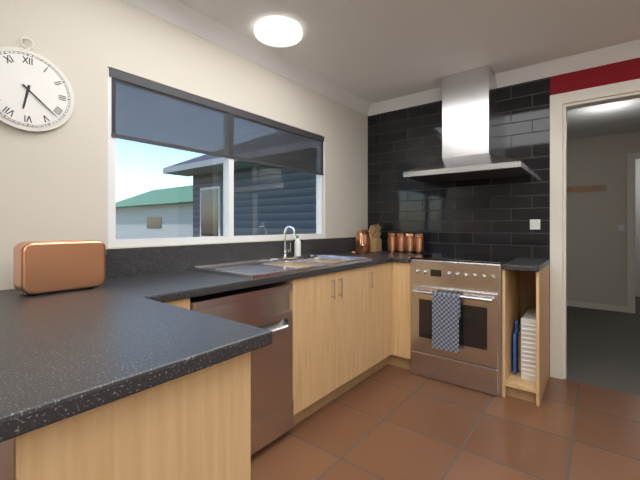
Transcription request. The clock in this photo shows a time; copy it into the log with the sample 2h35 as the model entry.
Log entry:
6h22
